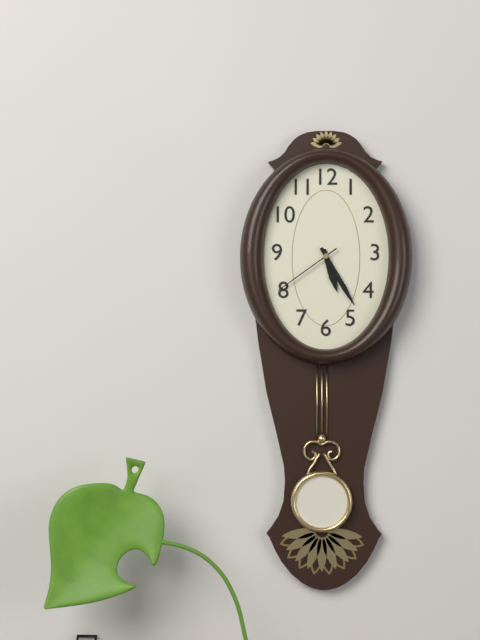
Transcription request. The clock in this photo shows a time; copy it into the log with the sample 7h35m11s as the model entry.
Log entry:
5h25m39s
